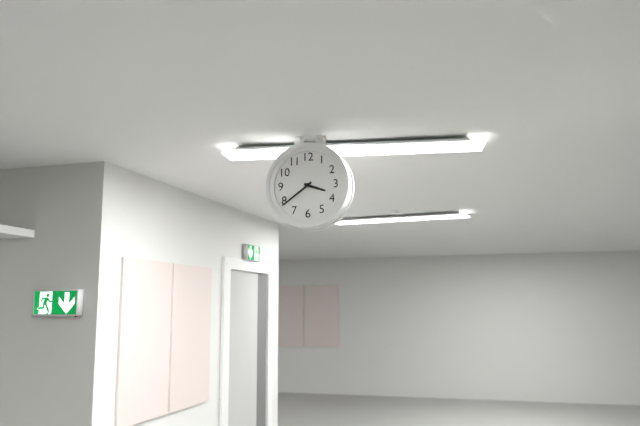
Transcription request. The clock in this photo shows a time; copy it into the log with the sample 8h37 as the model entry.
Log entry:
3h39
